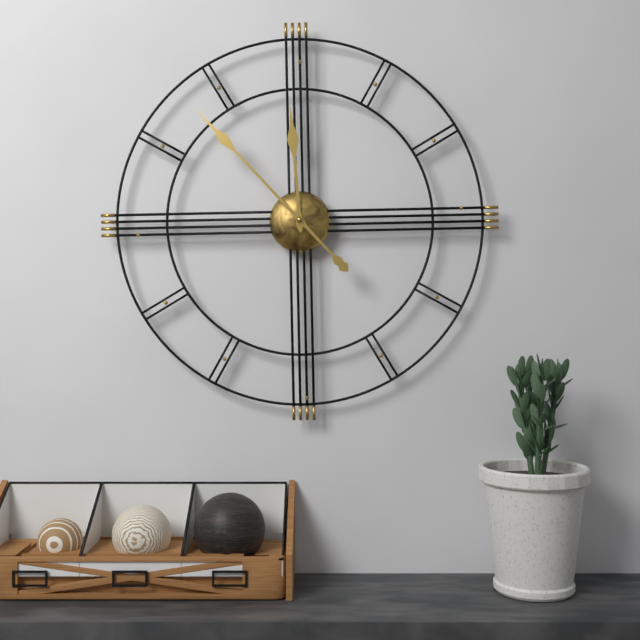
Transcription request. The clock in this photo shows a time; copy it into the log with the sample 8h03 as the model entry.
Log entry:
11h53
